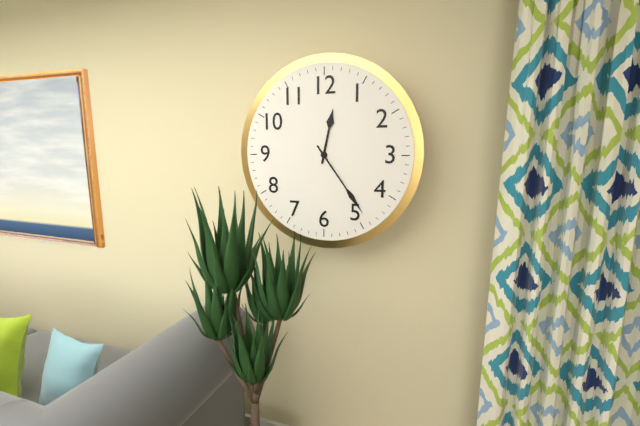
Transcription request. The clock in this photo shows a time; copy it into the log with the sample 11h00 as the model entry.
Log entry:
12h24
